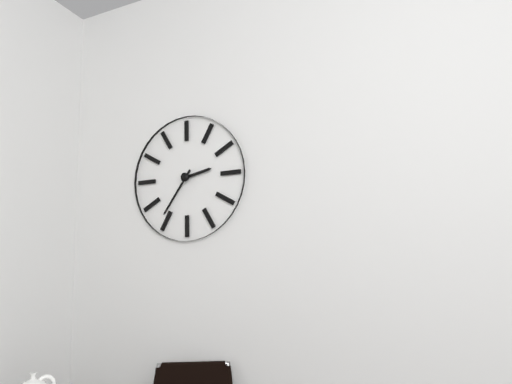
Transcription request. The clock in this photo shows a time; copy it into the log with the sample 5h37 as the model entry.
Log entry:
2h36
